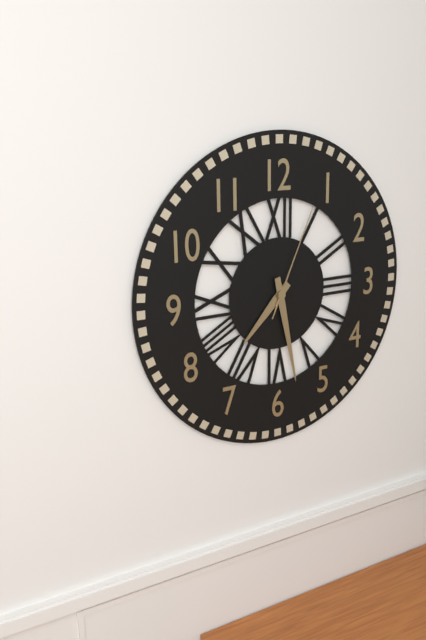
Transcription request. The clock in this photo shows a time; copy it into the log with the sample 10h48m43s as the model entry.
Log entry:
7h28m04s
